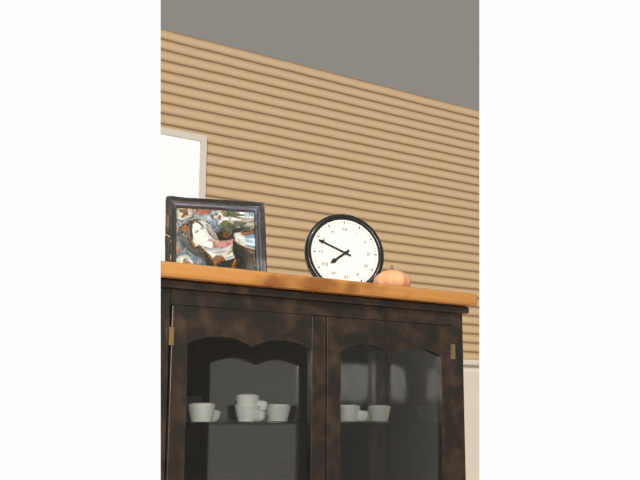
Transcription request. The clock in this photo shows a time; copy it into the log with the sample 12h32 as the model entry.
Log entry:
7h49
